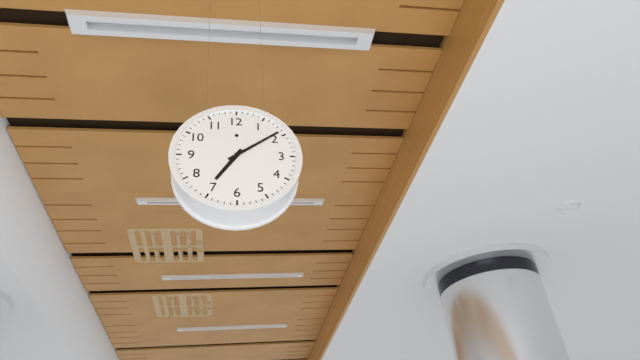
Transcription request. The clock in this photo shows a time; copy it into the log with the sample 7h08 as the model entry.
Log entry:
7h09
